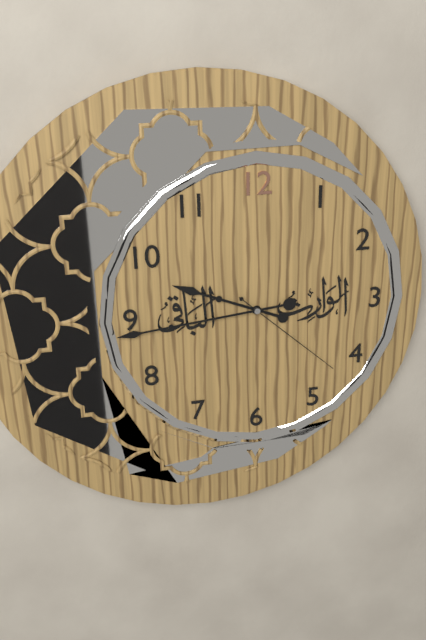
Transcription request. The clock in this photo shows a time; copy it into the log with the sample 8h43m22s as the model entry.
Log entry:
9h44m22s
